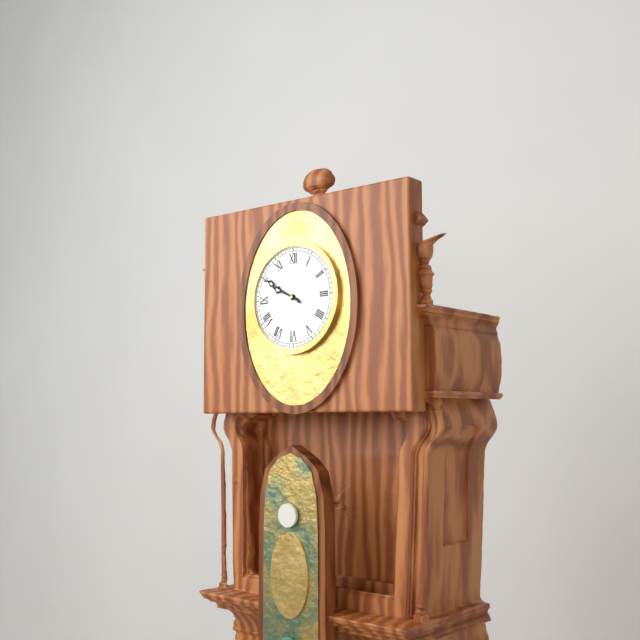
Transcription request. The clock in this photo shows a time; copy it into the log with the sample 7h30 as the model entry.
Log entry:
9h50
